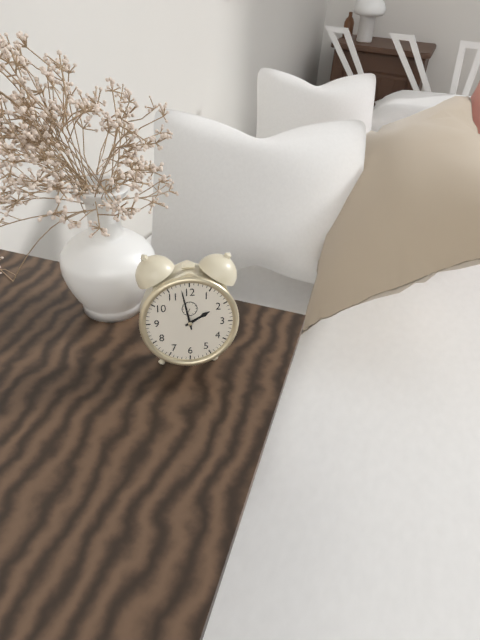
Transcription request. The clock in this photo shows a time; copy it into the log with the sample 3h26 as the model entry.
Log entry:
1h58
